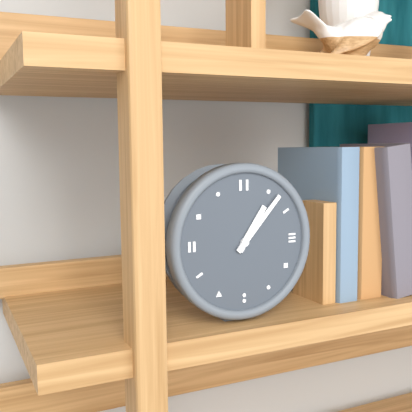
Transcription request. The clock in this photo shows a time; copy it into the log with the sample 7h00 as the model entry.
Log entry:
1h07
